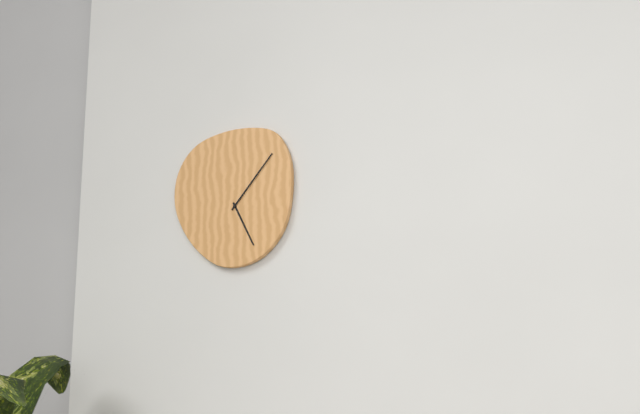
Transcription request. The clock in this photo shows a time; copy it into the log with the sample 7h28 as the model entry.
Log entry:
5h07
